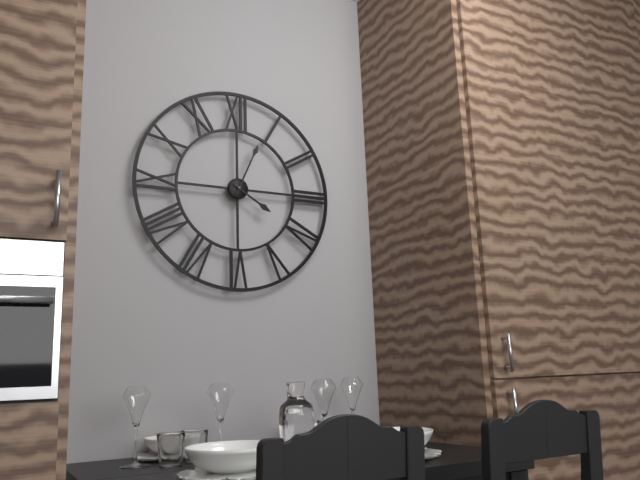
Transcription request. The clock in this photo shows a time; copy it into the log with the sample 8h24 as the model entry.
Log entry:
4h04
